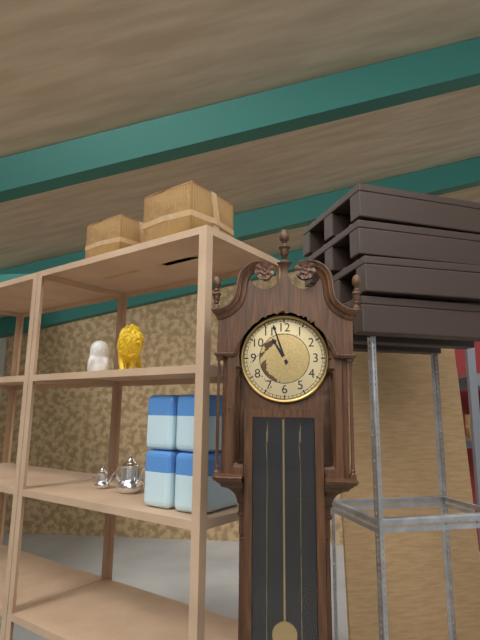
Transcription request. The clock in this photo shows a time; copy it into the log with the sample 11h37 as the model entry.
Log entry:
10h57
